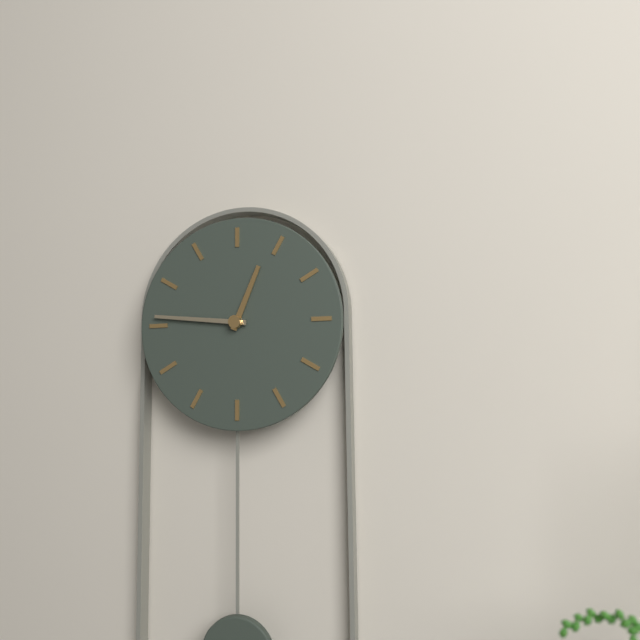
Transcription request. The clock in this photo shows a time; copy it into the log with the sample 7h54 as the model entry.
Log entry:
12h46
